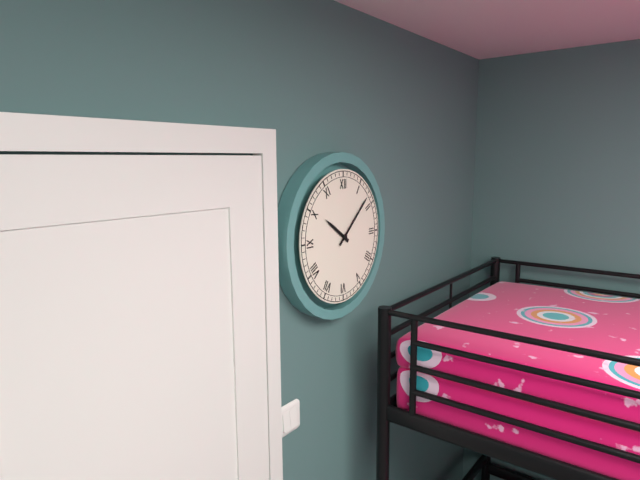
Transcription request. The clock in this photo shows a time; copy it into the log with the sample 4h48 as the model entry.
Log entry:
10h08
